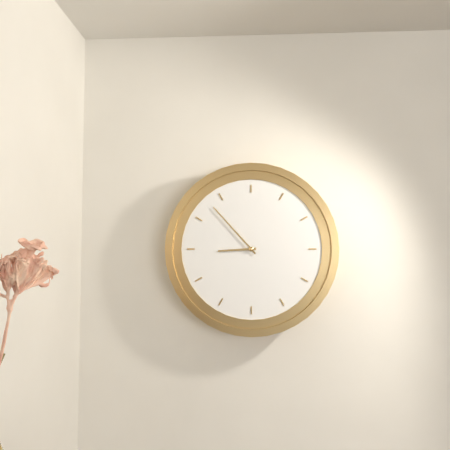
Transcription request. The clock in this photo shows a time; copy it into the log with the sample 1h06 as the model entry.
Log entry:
8h53
